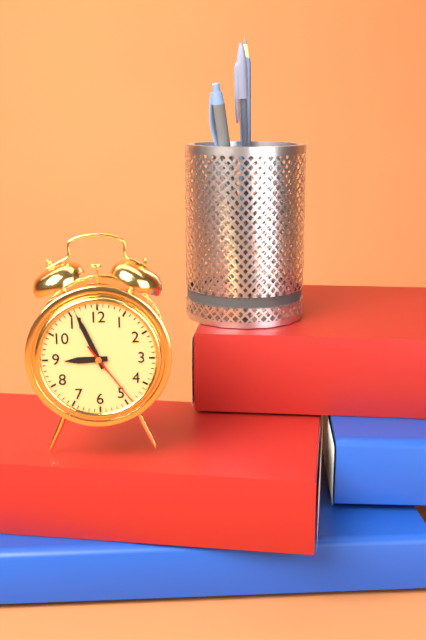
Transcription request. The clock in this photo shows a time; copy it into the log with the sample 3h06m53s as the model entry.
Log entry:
8h56m24s
